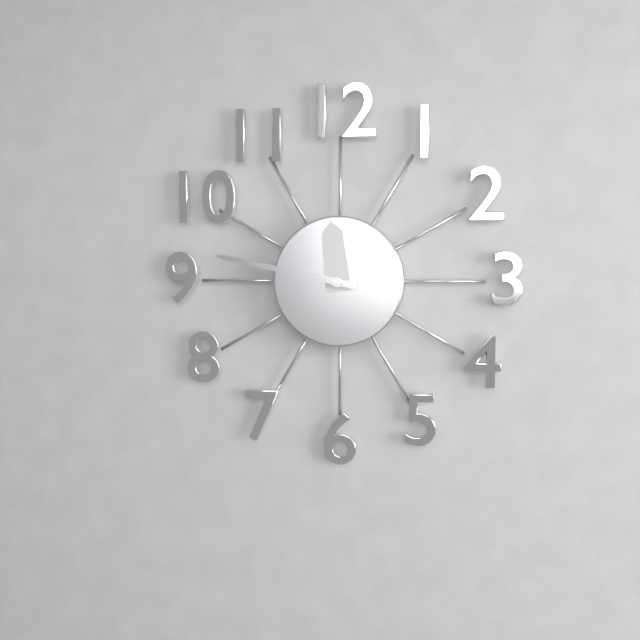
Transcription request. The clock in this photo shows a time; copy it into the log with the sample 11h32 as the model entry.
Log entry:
11h47
